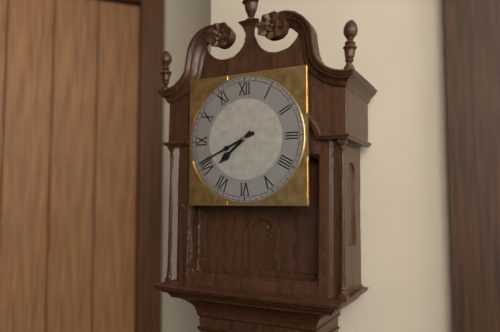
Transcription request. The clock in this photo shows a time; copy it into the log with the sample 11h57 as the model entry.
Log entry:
7h41
